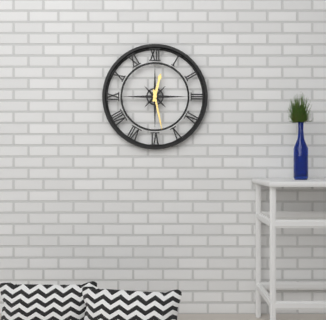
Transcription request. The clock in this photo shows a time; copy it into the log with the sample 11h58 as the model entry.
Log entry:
12h28
